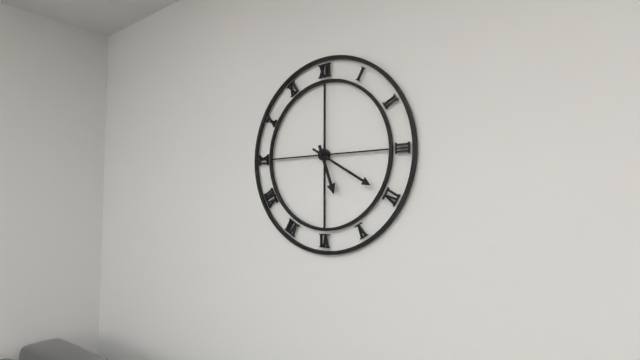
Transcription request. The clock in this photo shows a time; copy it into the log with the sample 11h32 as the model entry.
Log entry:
5h20
